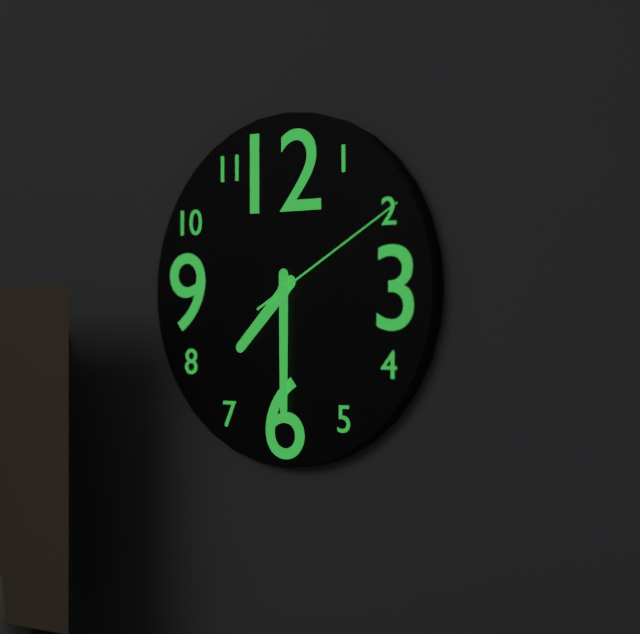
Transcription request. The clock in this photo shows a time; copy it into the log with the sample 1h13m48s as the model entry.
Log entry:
7h30m10s
